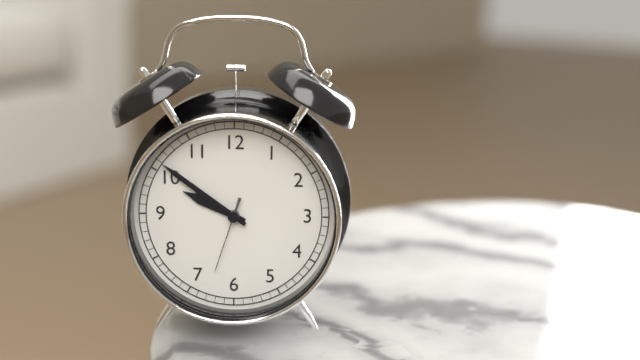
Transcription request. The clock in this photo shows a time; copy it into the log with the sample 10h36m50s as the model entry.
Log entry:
9h51m33s
